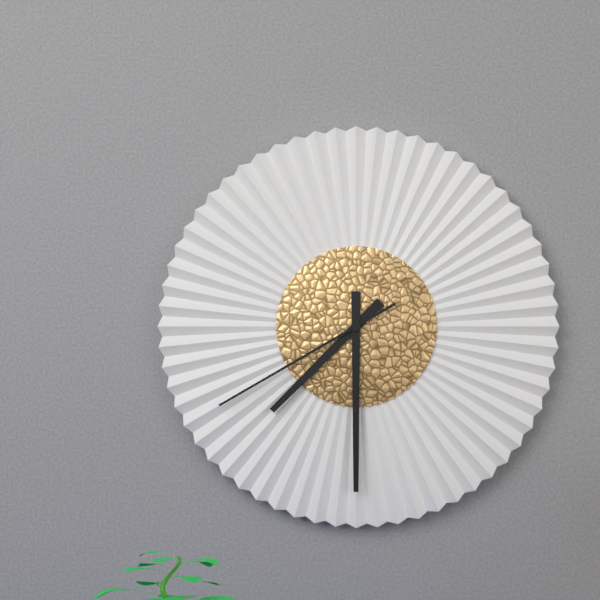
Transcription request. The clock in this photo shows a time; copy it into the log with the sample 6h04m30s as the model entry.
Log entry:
7h30m40s
